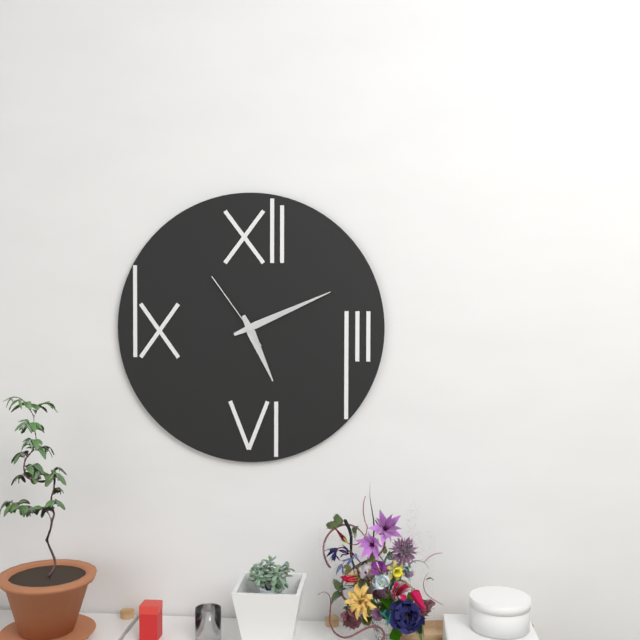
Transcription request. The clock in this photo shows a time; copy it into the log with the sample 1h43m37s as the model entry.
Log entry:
5h11m54s
